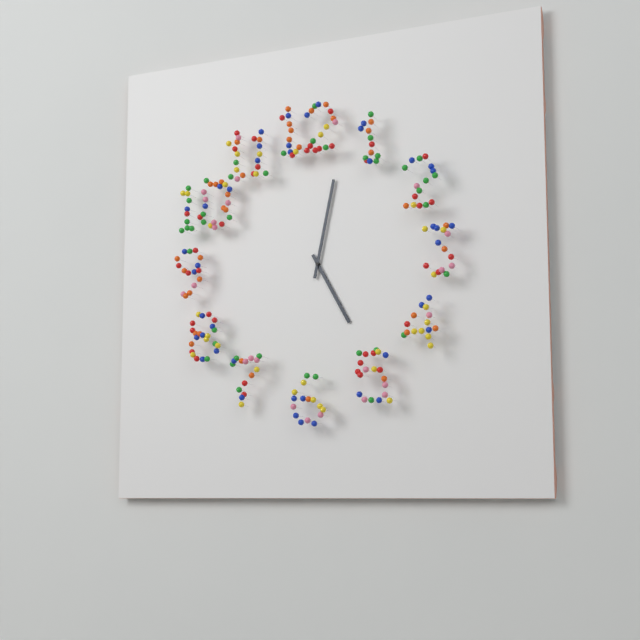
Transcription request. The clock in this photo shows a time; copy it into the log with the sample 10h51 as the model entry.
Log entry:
5h02
